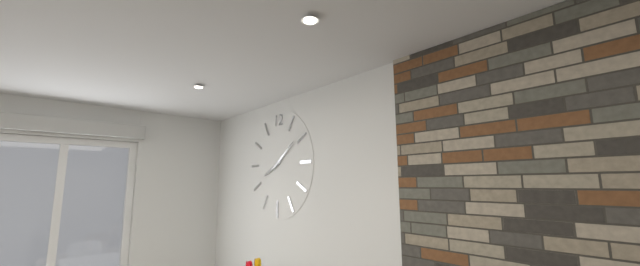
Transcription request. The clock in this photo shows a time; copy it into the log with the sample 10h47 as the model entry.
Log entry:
8h09
